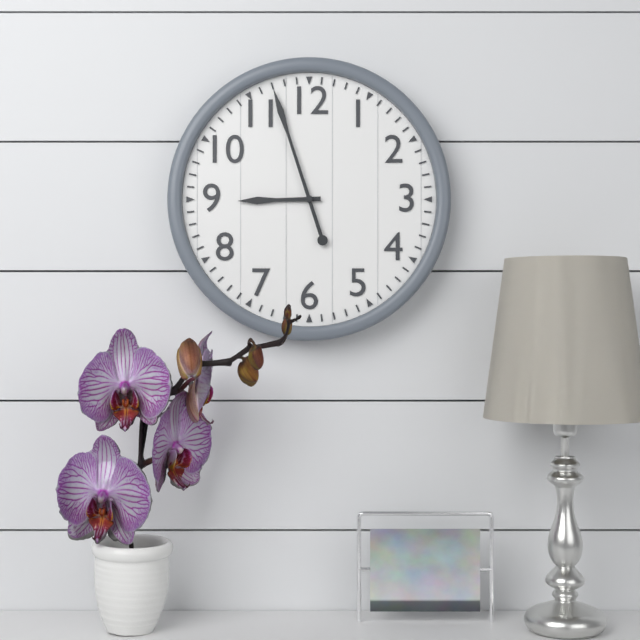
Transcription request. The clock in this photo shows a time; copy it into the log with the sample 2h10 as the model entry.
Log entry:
8h57
